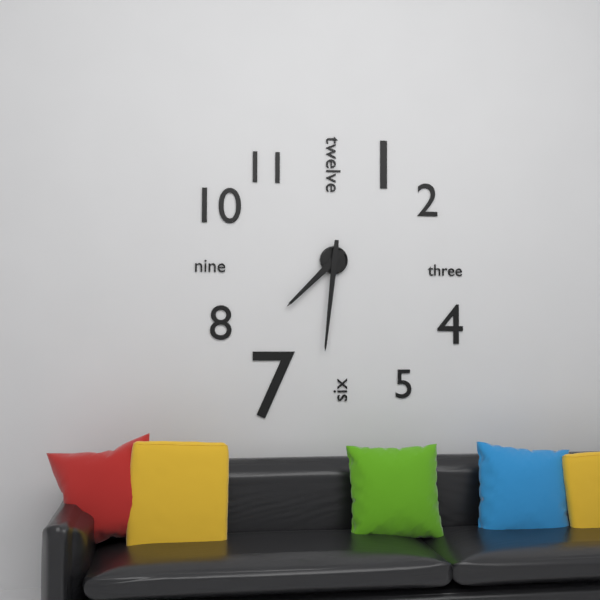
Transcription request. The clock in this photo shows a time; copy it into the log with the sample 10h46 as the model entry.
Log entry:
7h31
